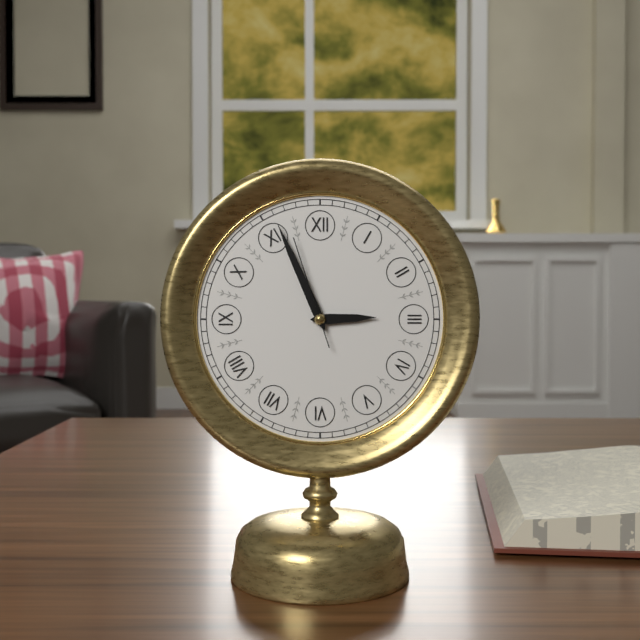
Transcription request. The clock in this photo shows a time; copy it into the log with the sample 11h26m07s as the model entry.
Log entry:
2h56m57s
